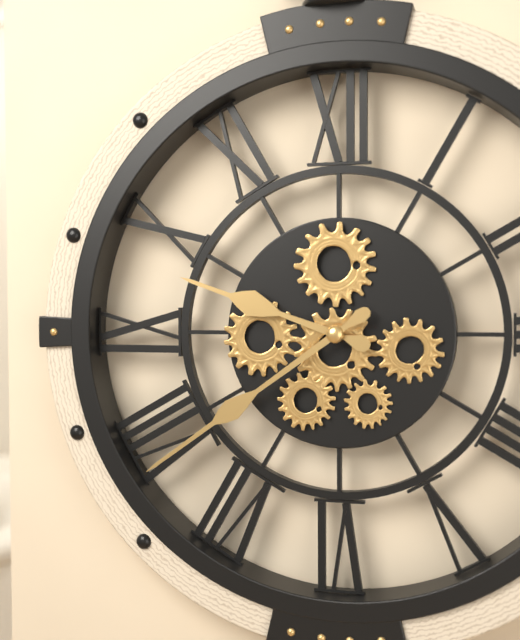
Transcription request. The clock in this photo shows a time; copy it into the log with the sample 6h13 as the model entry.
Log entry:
9h39
